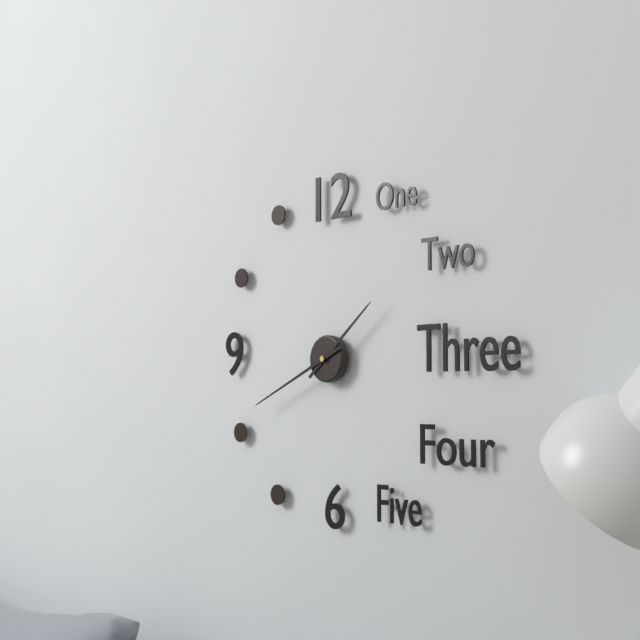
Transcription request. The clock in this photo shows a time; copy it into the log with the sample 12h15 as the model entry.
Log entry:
1h41
